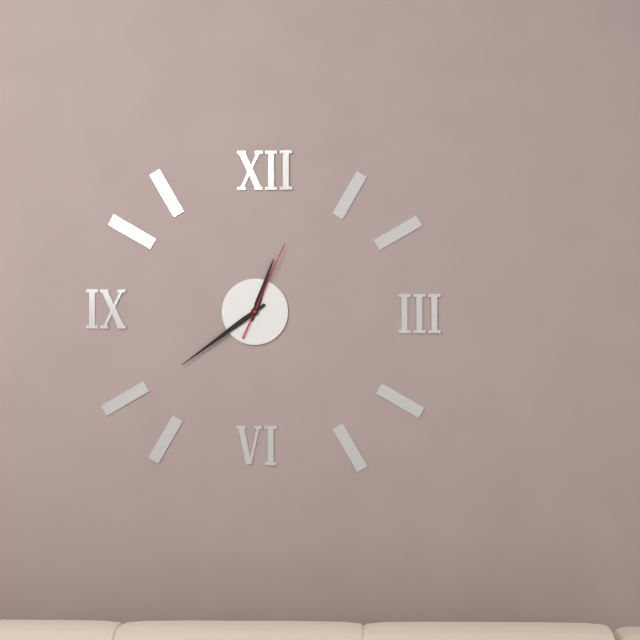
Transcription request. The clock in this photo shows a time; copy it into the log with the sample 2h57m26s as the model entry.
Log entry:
12h39m04s
